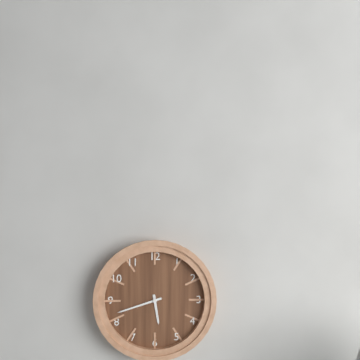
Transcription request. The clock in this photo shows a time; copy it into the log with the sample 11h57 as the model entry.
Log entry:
5h42
